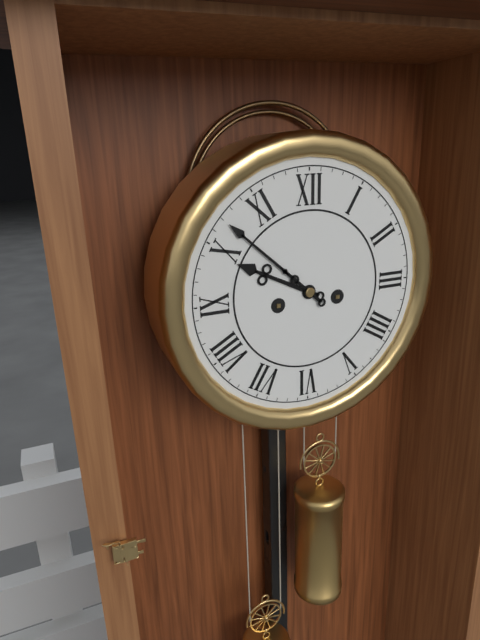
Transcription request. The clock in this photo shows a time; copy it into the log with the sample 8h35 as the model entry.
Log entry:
9h52
